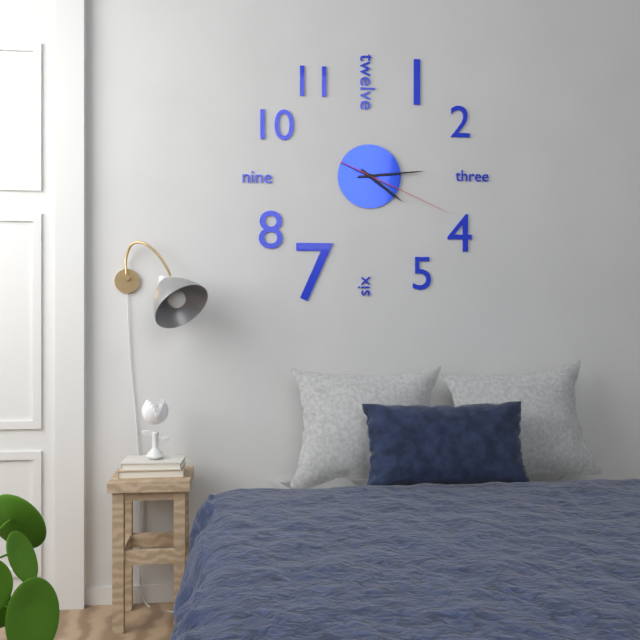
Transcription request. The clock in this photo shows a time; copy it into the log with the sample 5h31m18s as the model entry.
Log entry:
4h14m19s
